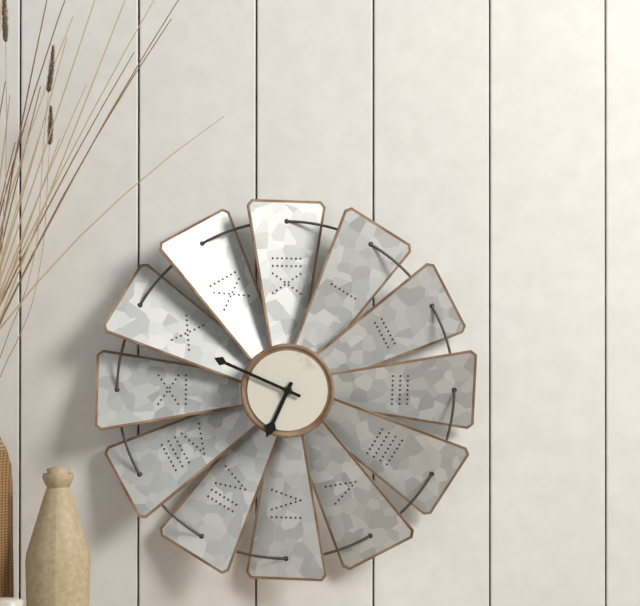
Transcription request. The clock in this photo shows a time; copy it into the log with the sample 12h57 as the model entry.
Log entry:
6h49
